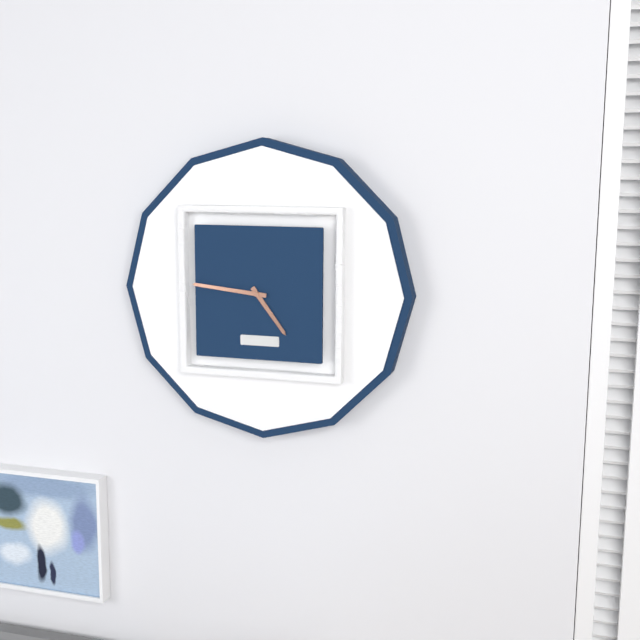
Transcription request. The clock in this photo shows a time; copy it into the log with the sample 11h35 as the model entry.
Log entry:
4h46
